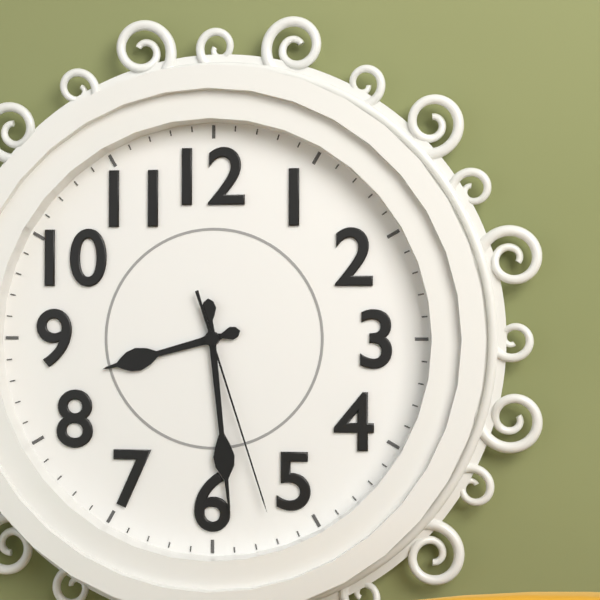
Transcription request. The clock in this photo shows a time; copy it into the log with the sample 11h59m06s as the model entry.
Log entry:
8h29m27s
